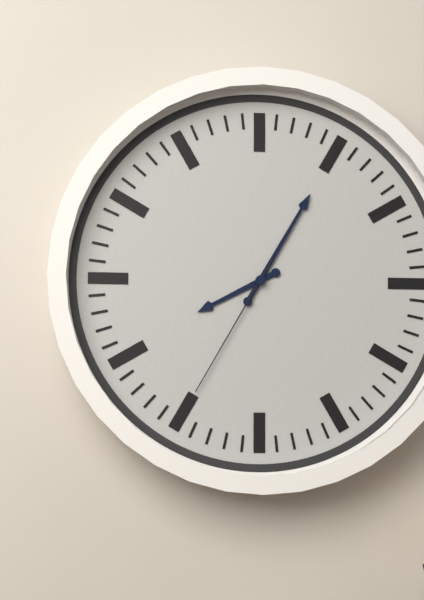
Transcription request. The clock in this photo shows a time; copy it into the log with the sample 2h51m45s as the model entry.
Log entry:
8h05m35s
